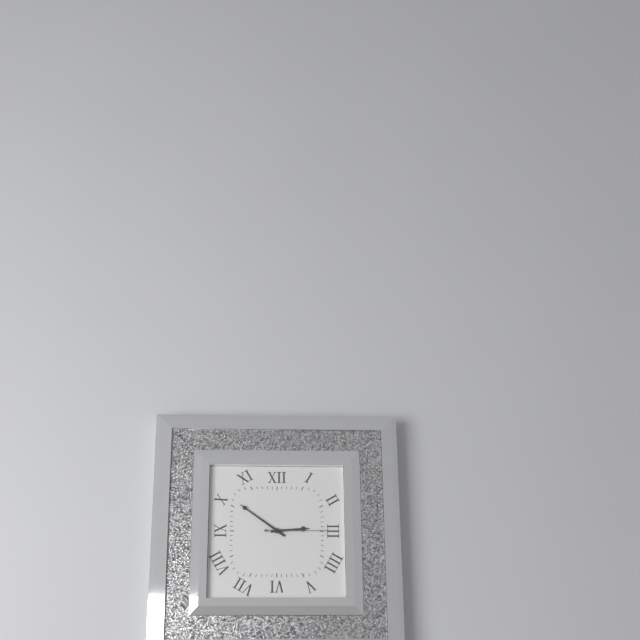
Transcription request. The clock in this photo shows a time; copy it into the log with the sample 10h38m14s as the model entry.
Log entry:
2h51m15s
